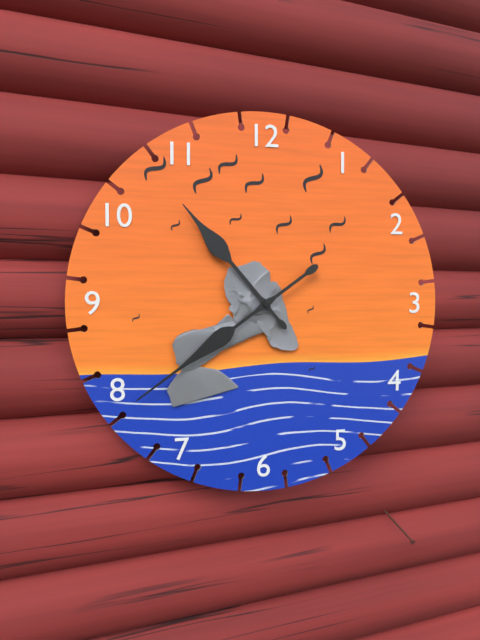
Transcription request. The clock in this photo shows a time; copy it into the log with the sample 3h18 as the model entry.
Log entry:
10h39
